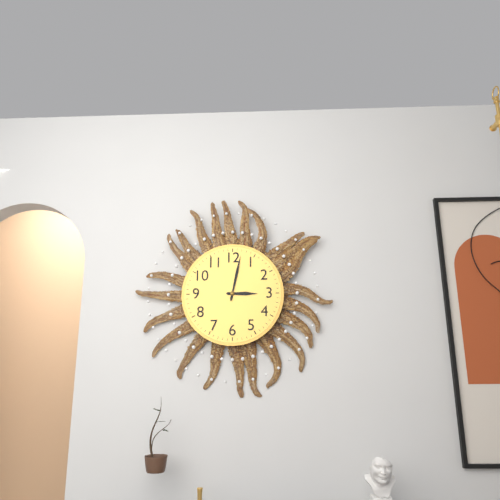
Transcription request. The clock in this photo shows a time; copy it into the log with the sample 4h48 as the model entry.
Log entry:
3h02
